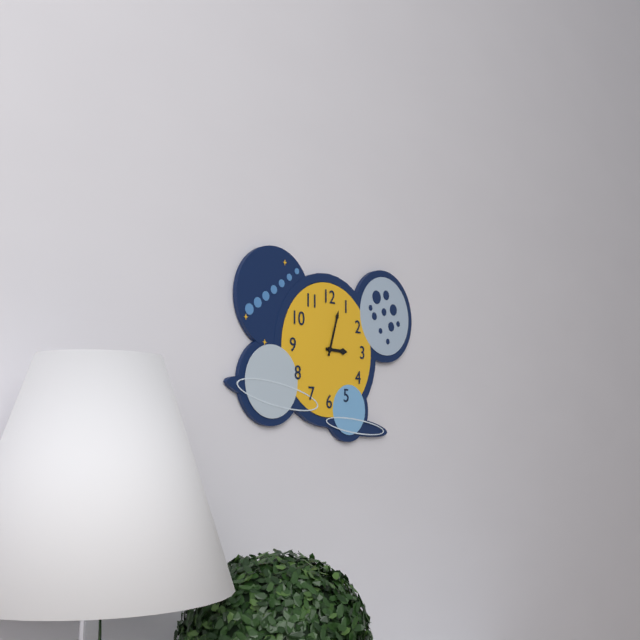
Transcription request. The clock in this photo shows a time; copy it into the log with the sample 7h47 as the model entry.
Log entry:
3h03
